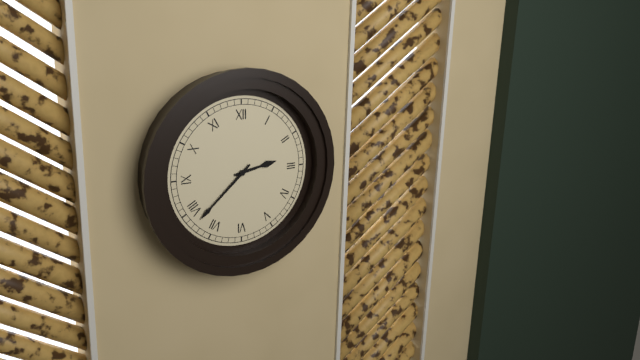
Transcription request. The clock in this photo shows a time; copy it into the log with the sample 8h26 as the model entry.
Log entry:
2h38
